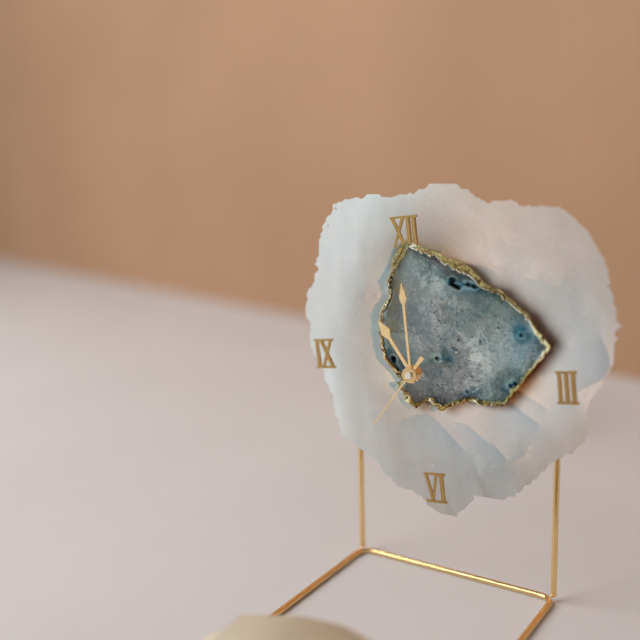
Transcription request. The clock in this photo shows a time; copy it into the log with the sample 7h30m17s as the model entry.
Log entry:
11h00m37s
